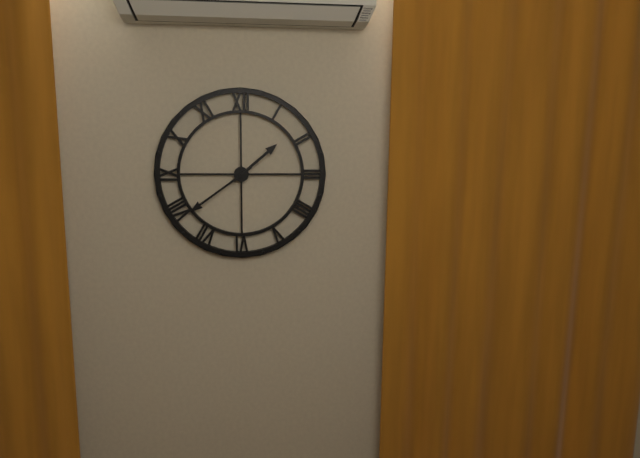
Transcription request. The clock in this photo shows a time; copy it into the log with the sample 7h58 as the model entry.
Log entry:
1h39
